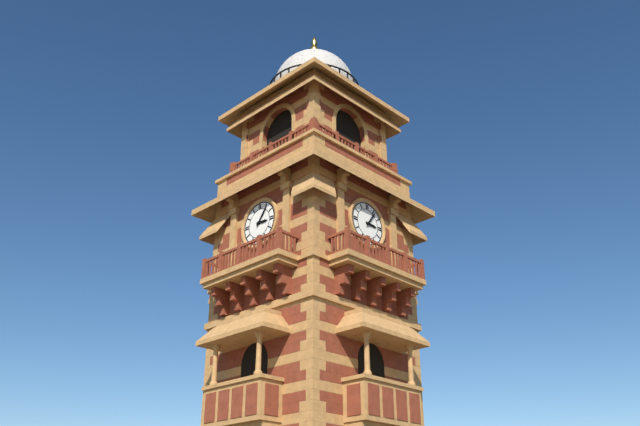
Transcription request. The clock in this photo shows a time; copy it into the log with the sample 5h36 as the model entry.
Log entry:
3h06
